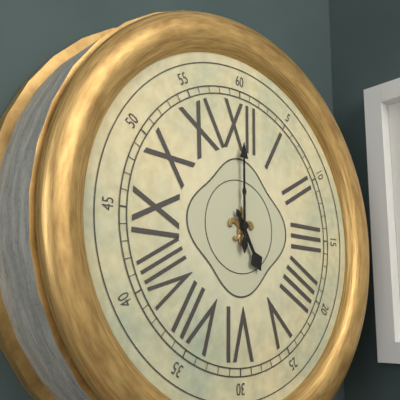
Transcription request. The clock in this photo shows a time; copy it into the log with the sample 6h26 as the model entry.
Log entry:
5h00
